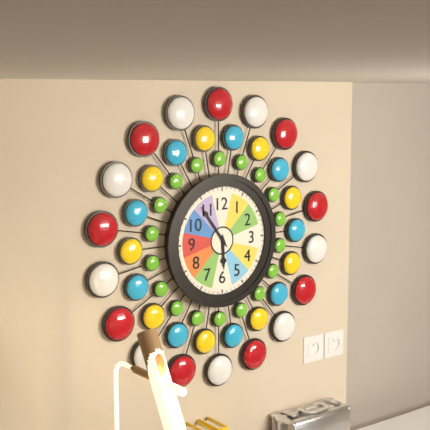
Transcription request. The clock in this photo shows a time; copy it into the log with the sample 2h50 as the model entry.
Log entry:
5h54
